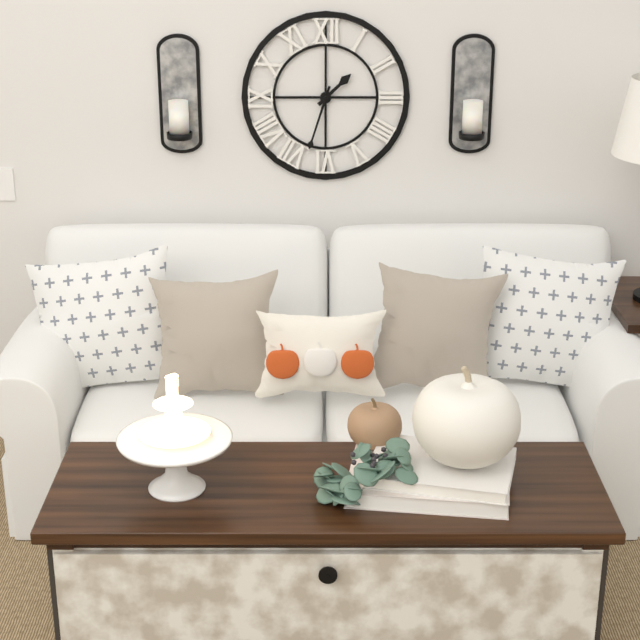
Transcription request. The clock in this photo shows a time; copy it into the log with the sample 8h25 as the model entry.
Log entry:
1h33
